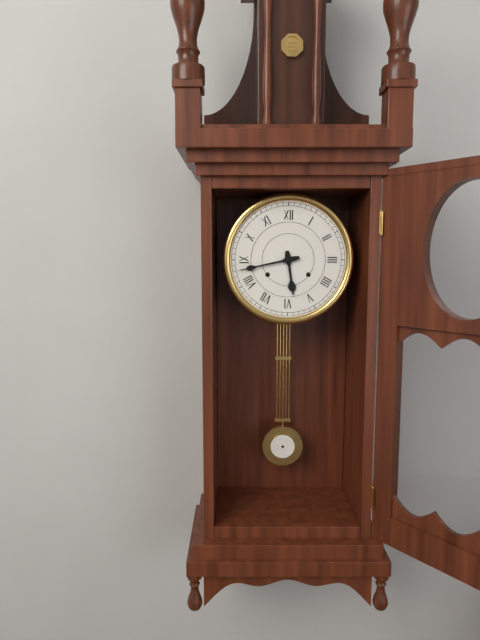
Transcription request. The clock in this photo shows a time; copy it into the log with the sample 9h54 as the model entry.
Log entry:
5h43
